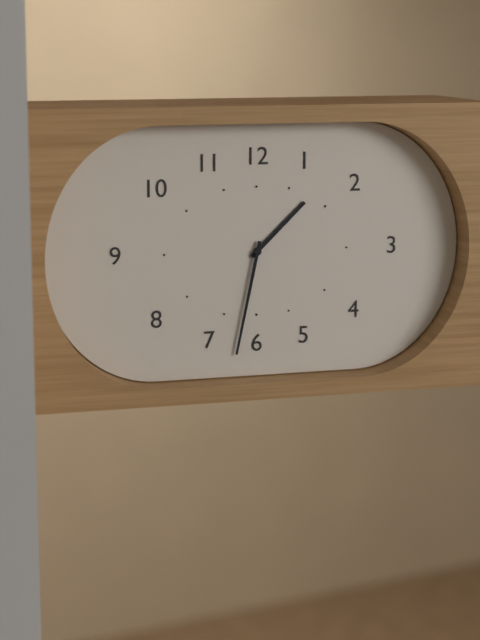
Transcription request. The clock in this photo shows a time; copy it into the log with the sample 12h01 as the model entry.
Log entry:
1h32
